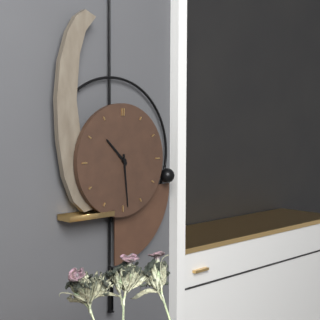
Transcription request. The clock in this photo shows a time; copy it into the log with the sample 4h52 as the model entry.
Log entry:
10h29
